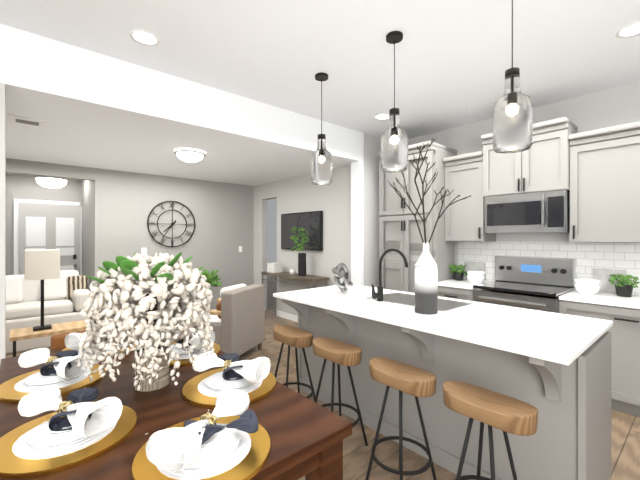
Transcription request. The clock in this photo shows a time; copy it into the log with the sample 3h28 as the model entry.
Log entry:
7h36
